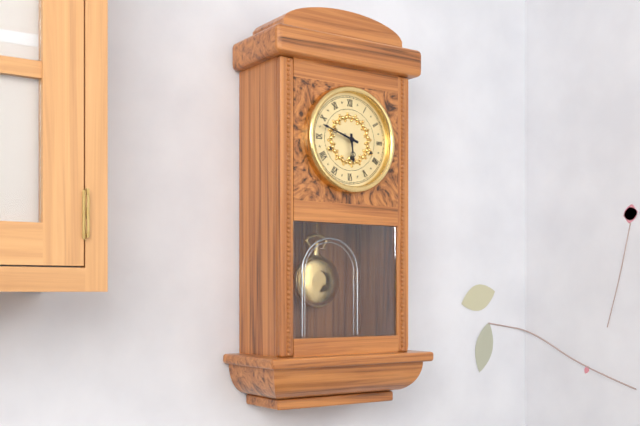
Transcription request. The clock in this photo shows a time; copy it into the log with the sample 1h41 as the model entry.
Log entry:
5h48
